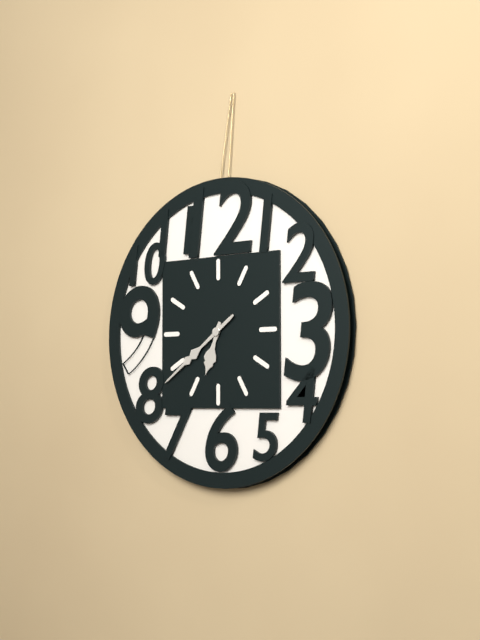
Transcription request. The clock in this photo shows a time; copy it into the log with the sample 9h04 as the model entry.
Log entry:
6h39
